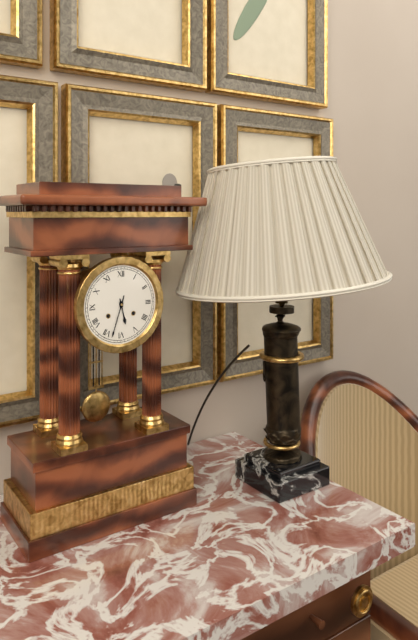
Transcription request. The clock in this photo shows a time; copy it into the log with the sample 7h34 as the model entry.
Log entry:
5h33
